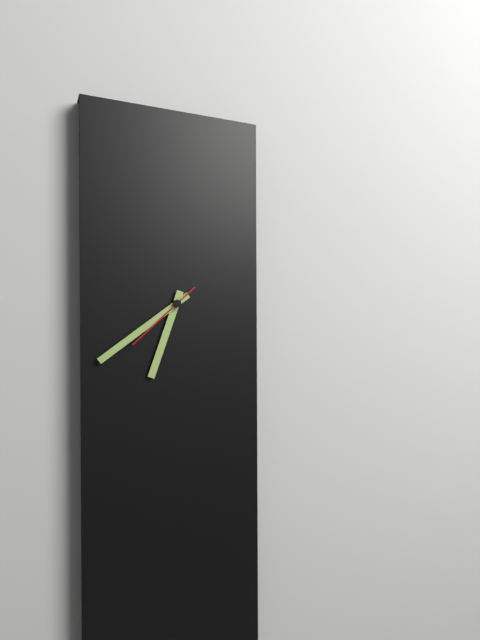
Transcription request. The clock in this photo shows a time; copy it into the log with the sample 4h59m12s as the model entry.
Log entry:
6h39m38s
